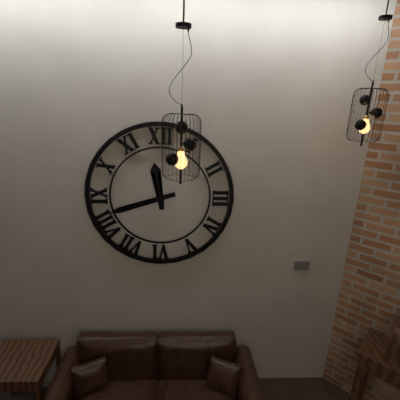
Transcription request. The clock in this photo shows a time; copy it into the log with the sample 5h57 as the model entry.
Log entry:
11h42
